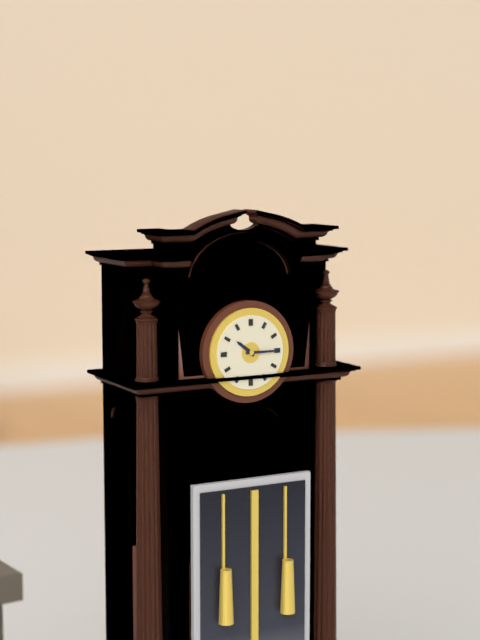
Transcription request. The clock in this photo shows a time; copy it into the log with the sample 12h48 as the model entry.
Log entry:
10h15
